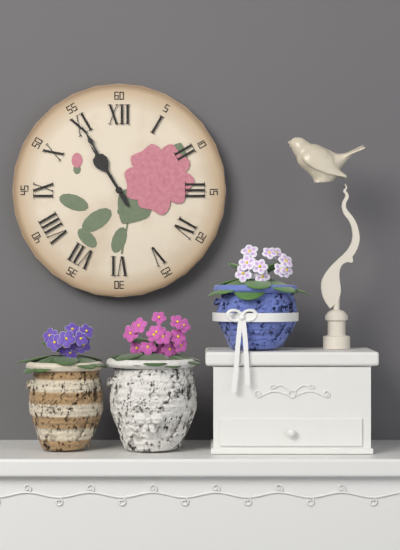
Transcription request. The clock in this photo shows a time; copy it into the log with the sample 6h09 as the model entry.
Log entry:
10h55
